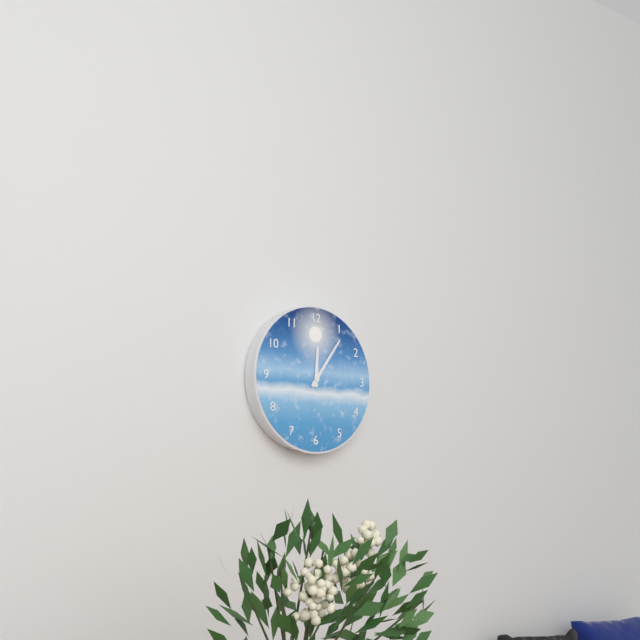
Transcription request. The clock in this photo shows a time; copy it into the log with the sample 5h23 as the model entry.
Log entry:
12h06
